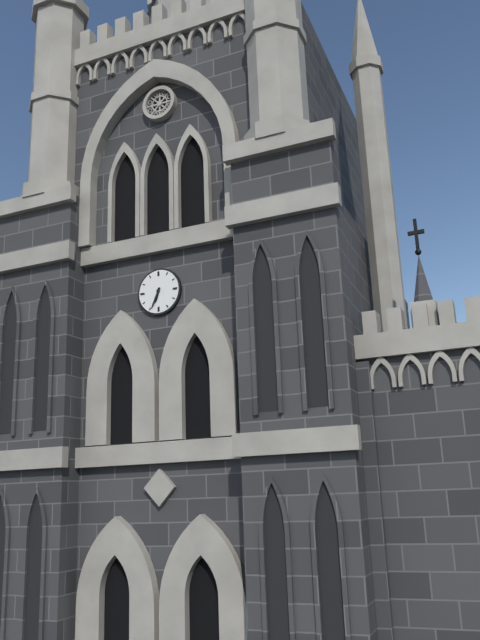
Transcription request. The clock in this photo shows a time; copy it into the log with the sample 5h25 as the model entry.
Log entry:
6h34
